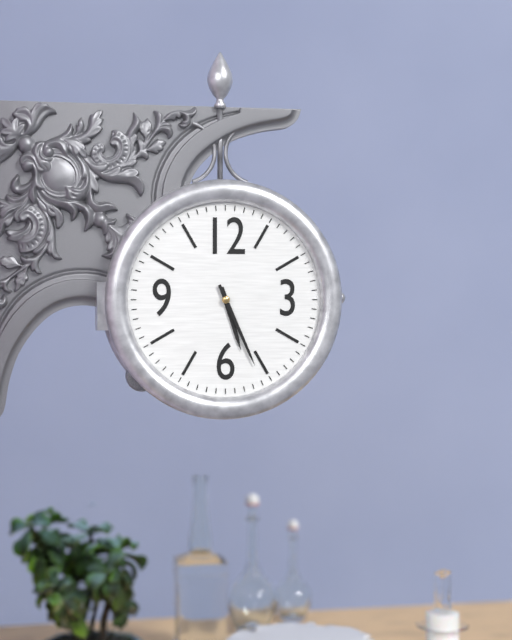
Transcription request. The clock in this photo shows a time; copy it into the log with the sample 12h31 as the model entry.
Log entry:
5h26
